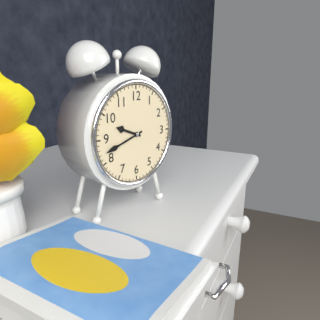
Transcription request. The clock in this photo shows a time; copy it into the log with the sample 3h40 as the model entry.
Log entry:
9h42
